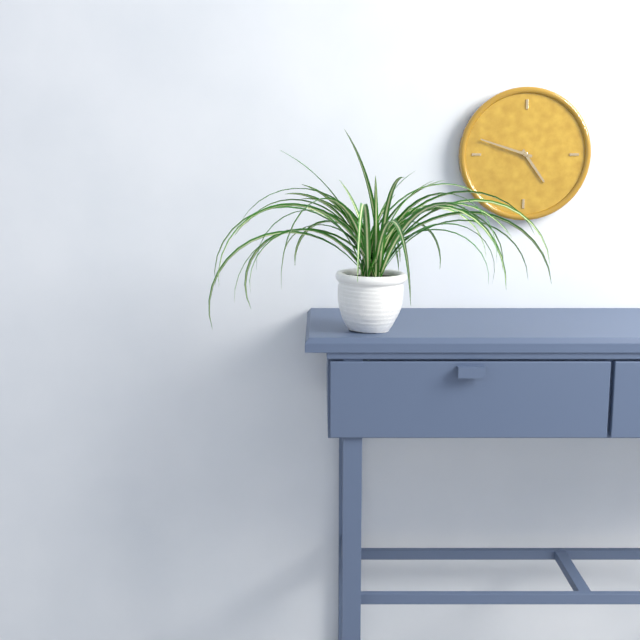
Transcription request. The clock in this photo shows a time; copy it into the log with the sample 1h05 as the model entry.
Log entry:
4h48
